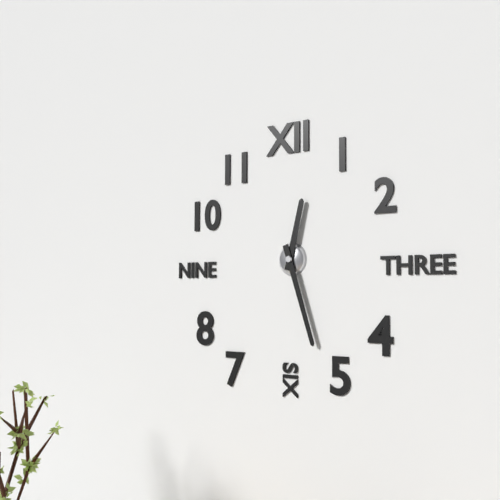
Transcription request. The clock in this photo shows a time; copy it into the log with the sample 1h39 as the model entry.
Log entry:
12h27
